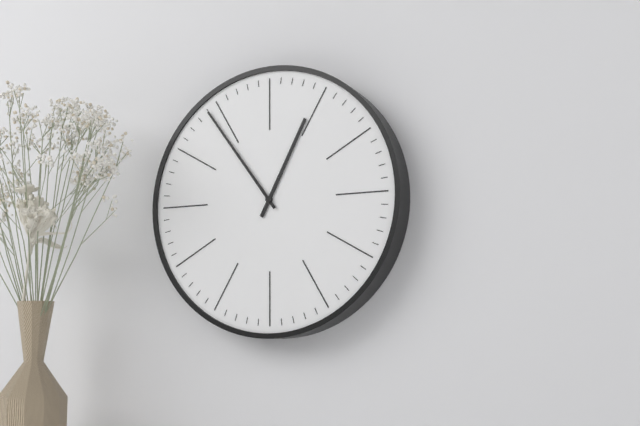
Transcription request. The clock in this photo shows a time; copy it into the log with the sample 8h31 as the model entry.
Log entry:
12h54
